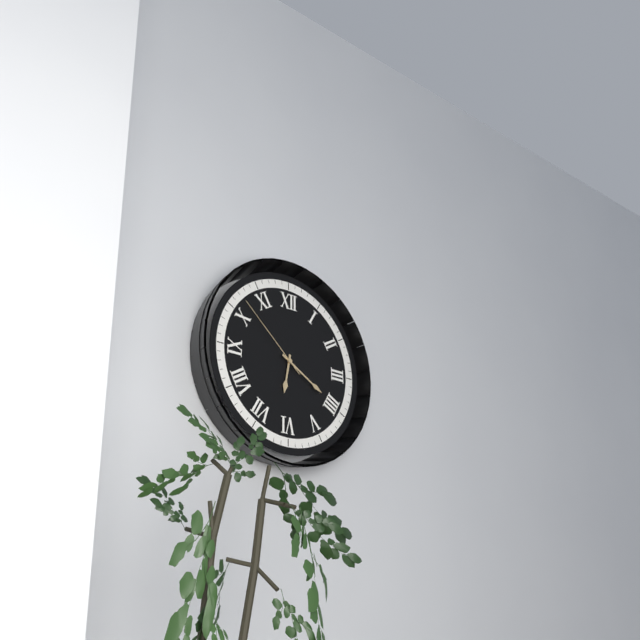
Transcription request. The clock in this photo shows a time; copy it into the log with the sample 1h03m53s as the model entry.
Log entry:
6h20m52s
